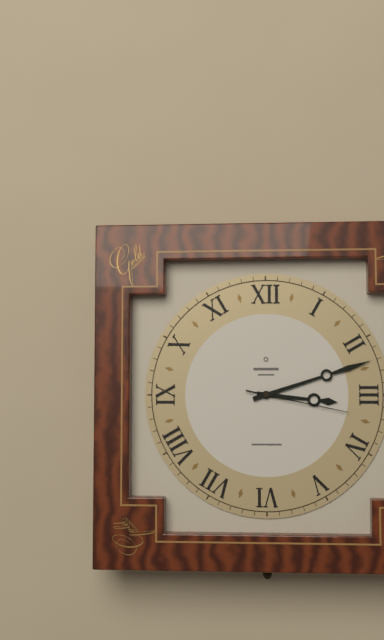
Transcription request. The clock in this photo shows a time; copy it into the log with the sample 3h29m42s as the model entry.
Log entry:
3h12m17s
